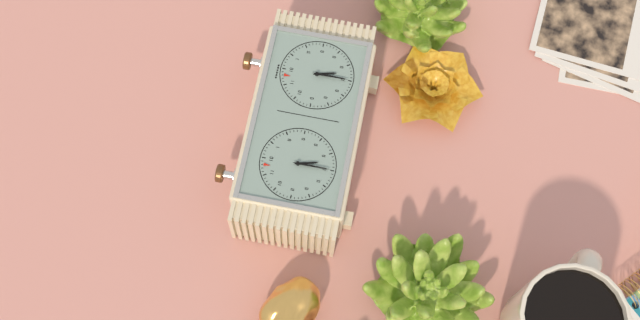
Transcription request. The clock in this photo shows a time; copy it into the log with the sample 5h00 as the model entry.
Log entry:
5h30
